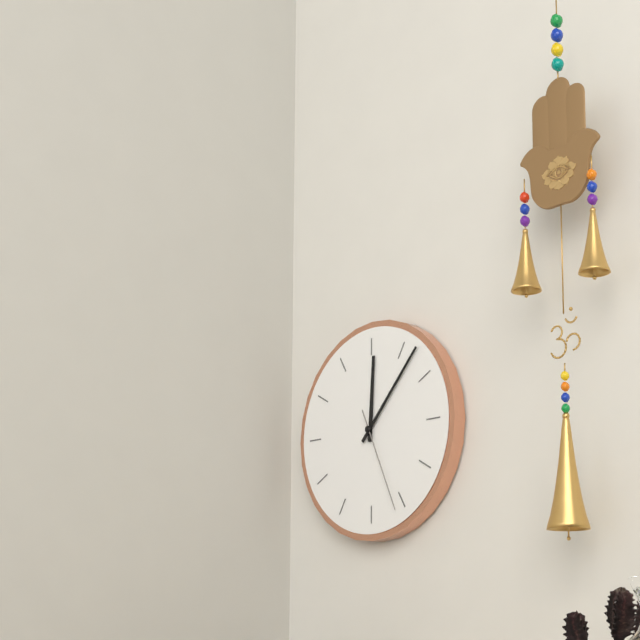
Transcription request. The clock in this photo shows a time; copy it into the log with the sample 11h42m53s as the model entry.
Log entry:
12h07m26s
